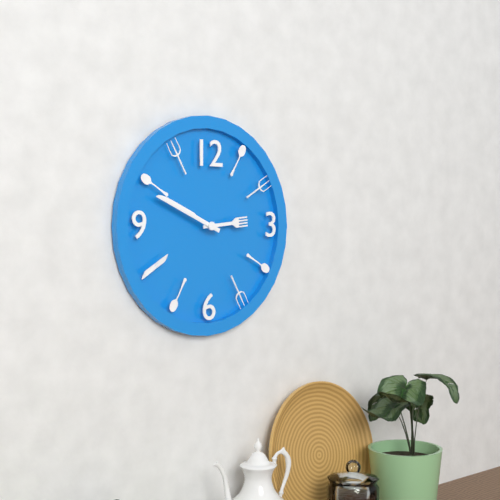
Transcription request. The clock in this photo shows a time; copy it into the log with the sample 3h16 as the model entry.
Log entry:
2h49
